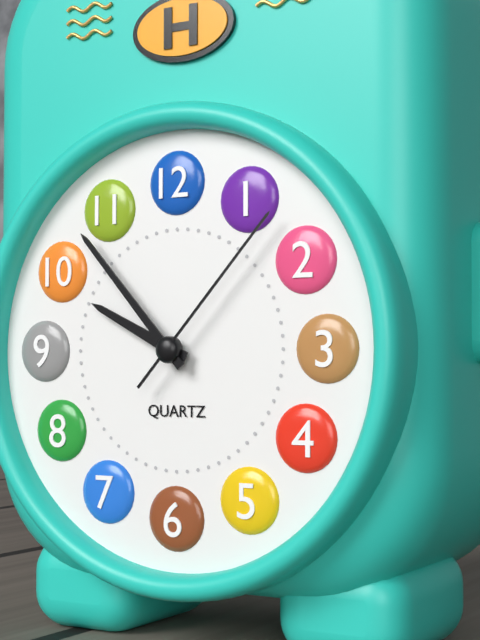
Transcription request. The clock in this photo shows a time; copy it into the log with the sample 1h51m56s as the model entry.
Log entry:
9h53m07s
